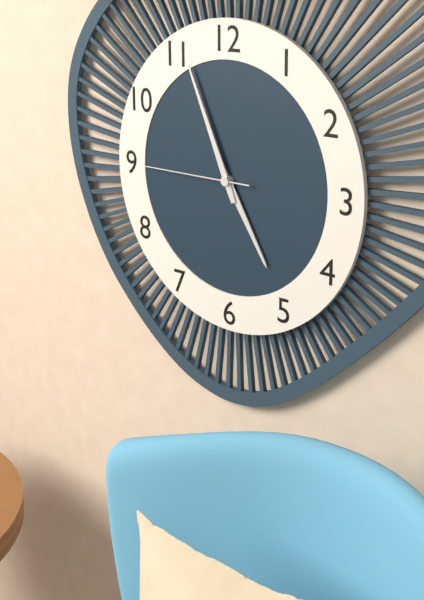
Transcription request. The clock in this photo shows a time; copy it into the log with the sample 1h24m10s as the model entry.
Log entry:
4h56m45s
